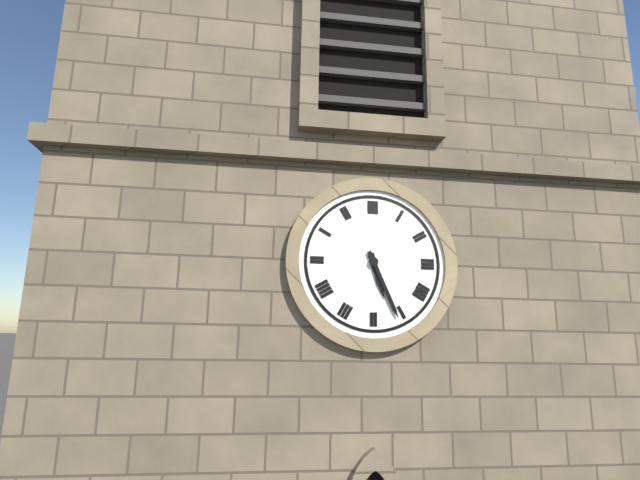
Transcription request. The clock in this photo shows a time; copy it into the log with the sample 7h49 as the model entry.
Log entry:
5h26
